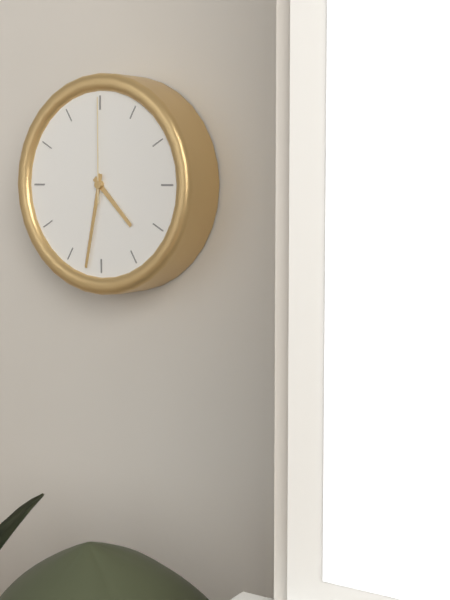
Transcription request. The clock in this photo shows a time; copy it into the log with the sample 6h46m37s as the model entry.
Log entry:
4h32m00s
